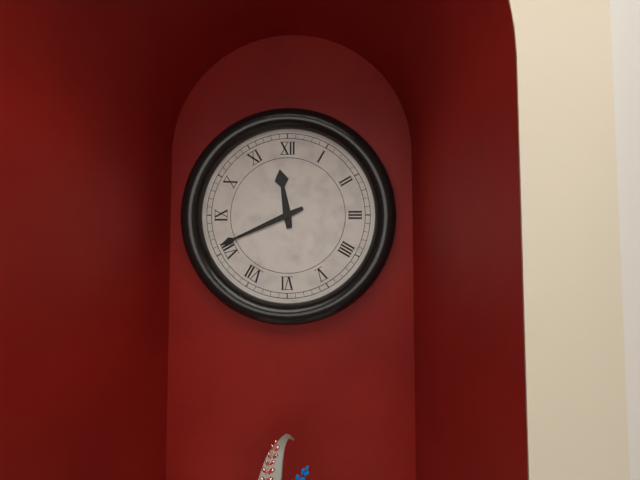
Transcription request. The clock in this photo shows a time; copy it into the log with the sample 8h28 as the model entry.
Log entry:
11h41
